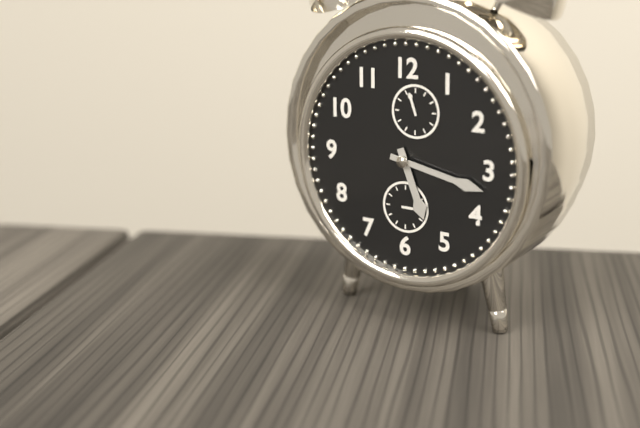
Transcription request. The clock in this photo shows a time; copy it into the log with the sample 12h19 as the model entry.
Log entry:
5h17
